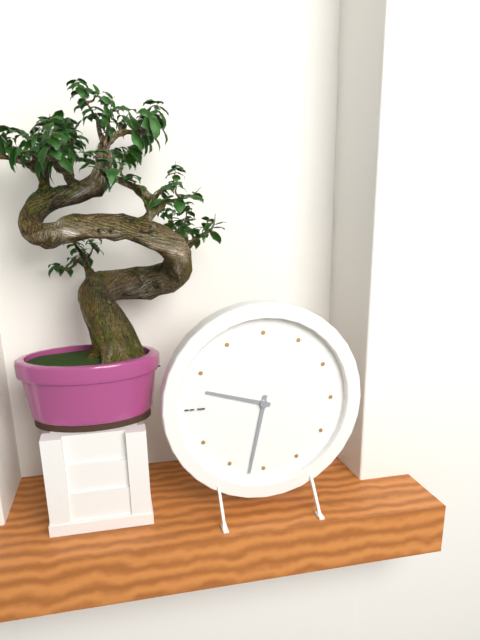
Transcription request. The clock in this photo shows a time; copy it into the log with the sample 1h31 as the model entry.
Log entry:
9h32
